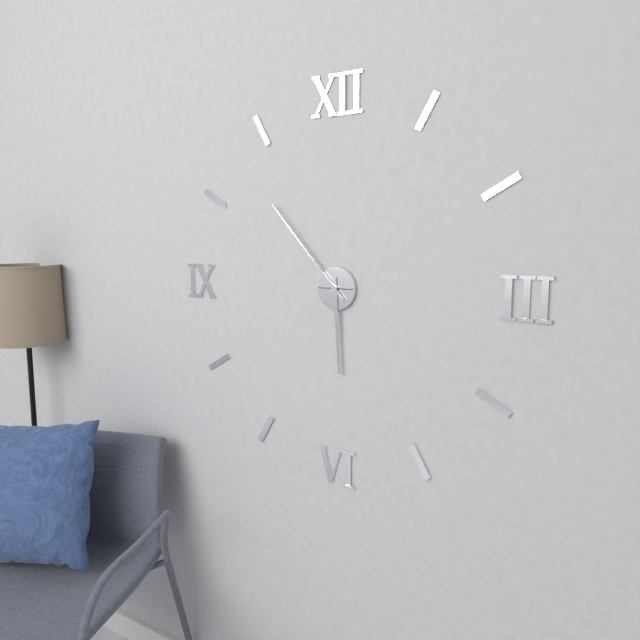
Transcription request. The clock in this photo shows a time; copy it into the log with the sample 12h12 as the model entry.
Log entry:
5h53
